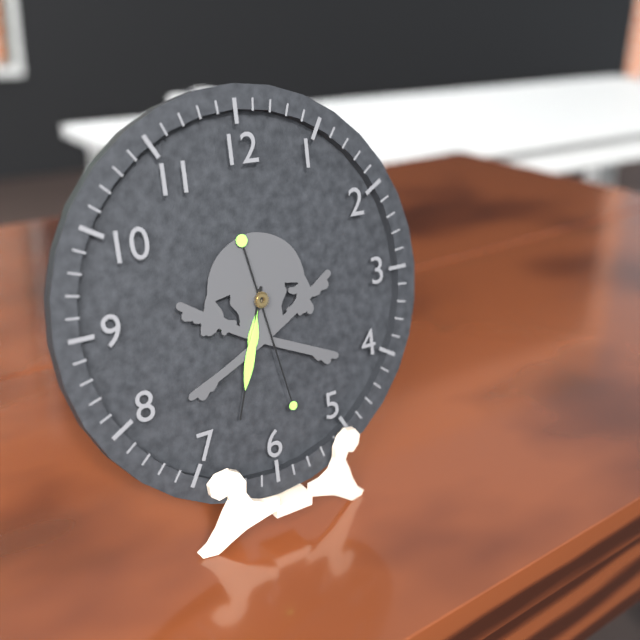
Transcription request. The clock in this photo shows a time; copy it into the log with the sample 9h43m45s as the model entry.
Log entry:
6h33m28s
